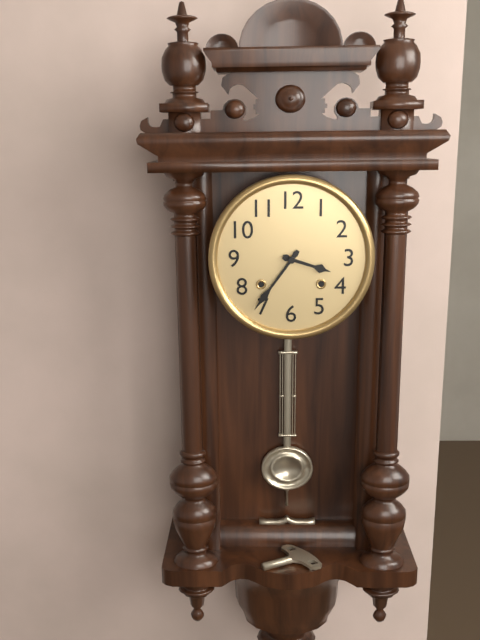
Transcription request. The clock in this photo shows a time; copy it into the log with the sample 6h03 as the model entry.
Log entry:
3h36
